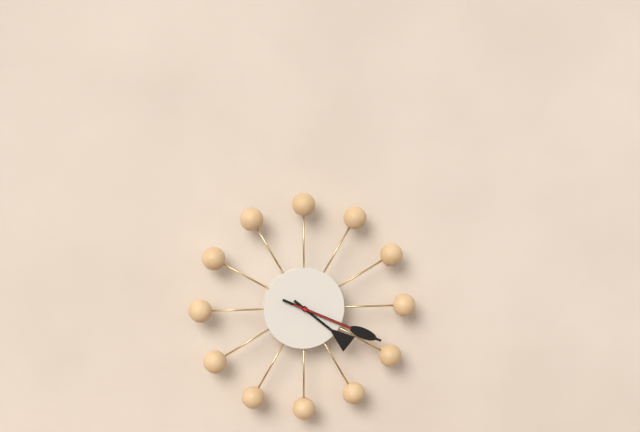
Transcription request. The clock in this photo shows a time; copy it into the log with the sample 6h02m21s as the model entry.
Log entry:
4h19m19s
